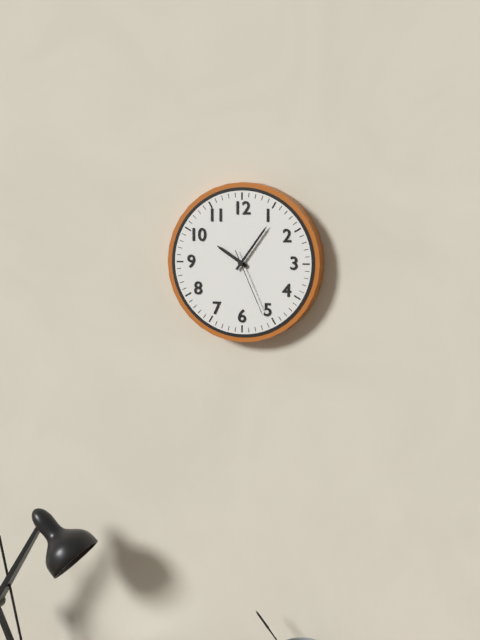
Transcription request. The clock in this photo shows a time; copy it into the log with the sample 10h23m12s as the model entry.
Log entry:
10h06m26s
